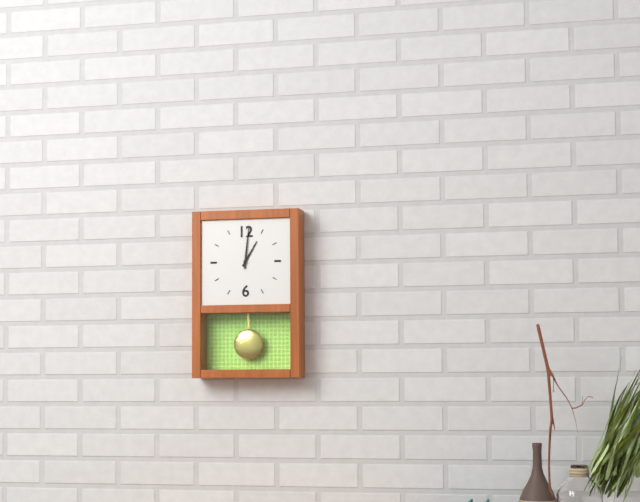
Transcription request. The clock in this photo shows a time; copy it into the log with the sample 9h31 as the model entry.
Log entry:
1h01
